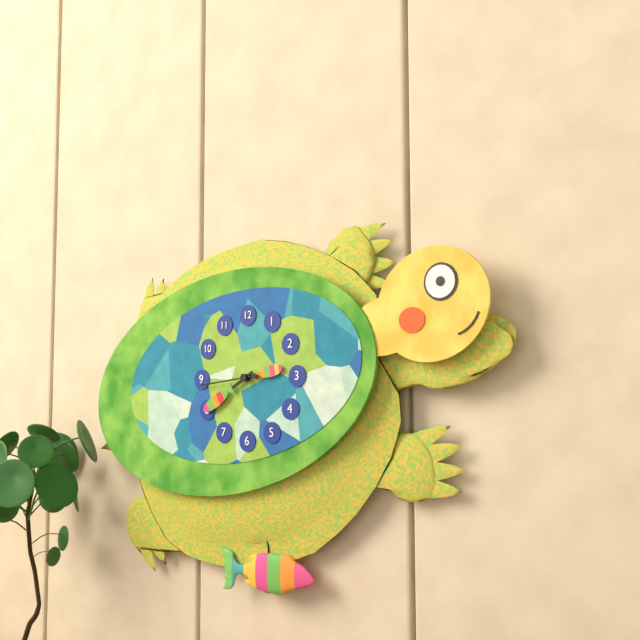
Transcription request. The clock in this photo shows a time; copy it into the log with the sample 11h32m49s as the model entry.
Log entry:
2h40m44s
